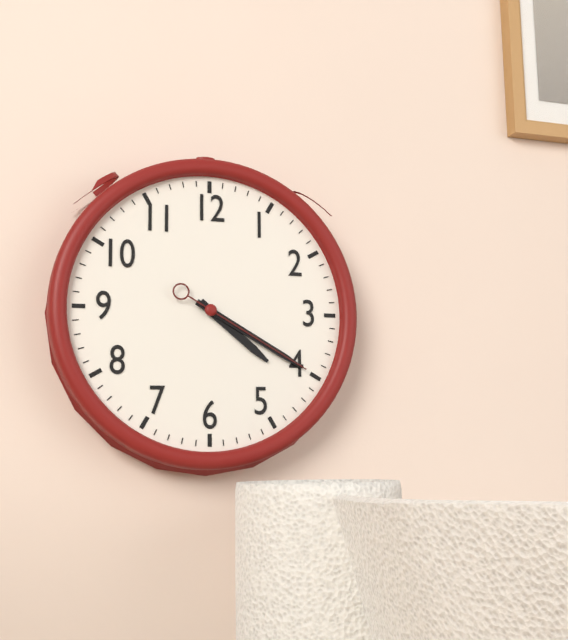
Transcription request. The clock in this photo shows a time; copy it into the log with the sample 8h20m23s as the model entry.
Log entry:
4h20m20s
